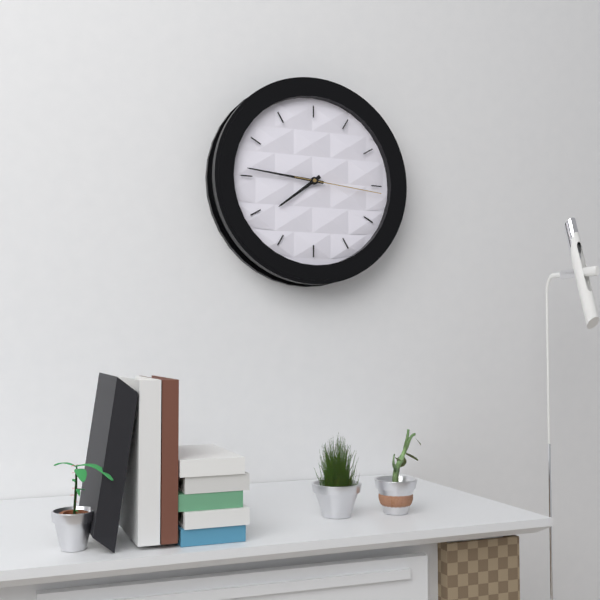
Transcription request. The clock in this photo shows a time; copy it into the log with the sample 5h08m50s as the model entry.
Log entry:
7h46m16s
